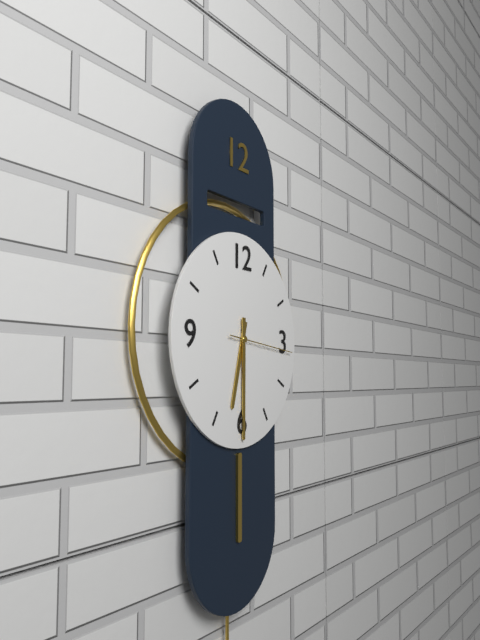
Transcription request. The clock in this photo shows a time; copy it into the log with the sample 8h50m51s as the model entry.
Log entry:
6h30m16s
